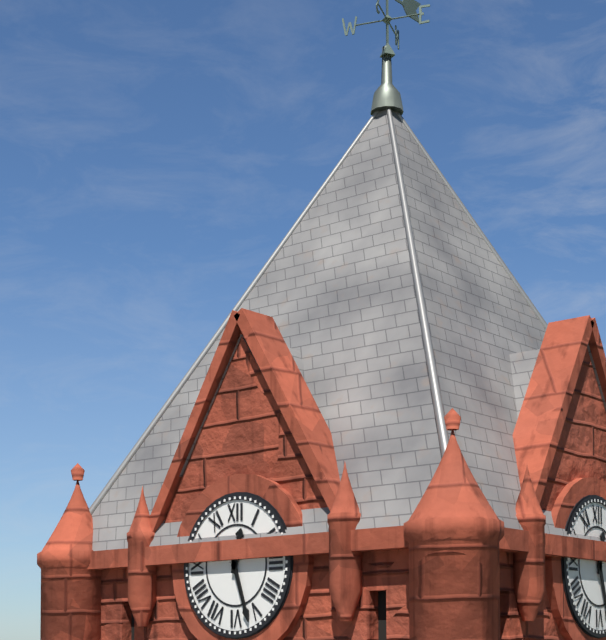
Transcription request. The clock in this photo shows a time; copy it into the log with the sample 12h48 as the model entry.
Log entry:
12h27
